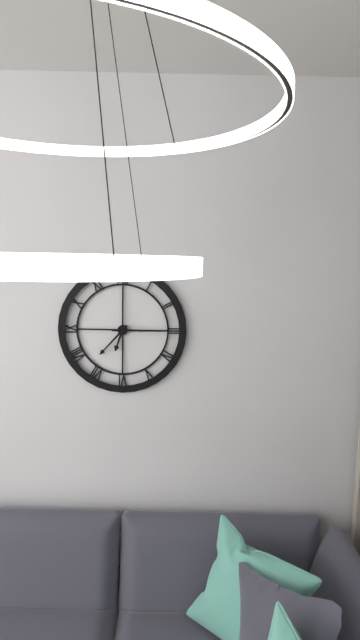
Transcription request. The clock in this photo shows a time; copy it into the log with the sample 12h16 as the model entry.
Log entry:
6h37
